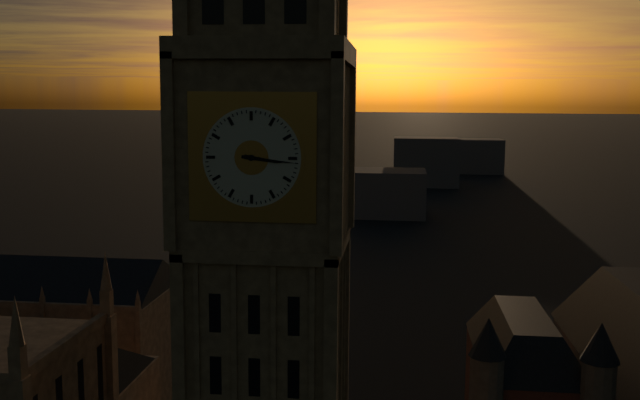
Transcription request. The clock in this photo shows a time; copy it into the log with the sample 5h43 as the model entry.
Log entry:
3h16
